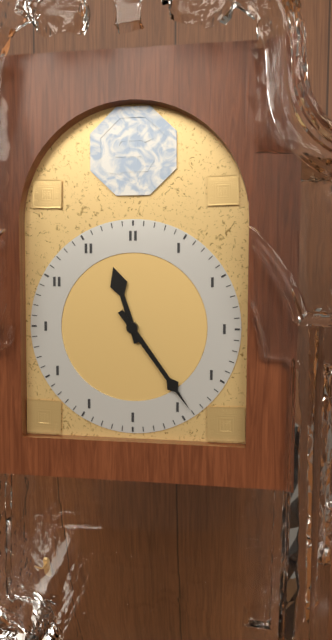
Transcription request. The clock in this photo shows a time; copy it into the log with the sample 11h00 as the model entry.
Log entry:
11h24
